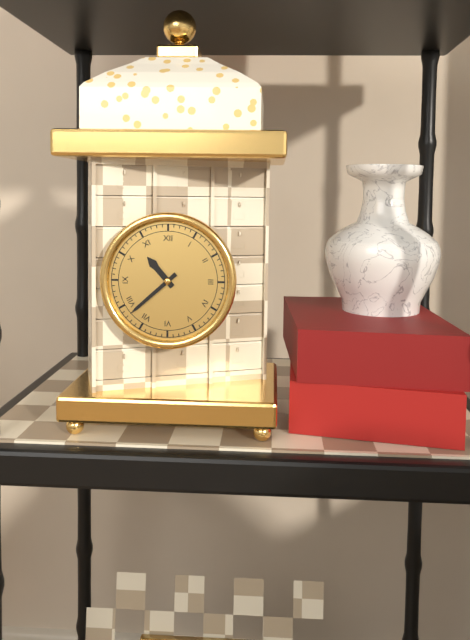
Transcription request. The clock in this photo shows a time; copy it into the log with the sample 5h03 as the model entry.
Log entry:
10h38
